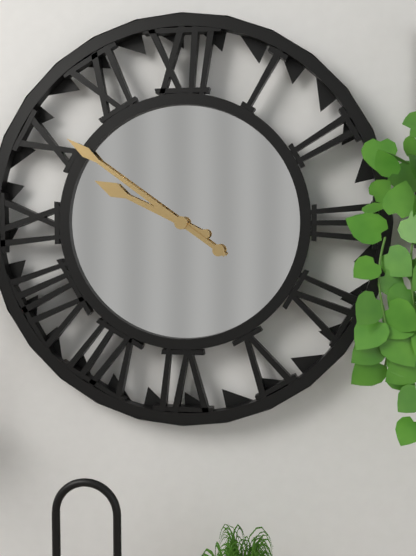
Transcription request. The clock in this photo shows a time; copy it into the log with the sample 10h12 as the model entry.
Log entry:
9h51
